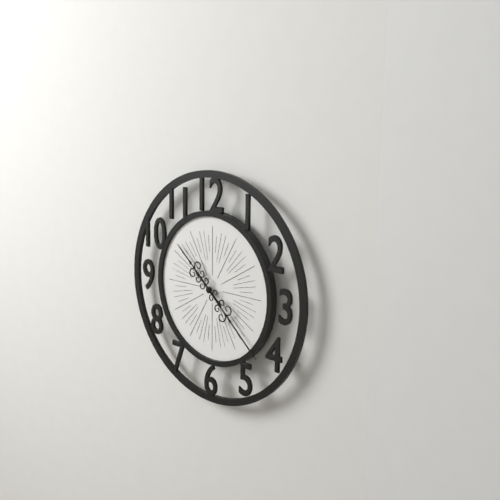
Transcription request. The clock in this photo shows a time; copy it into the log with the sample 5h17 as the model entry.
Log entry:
10h22
